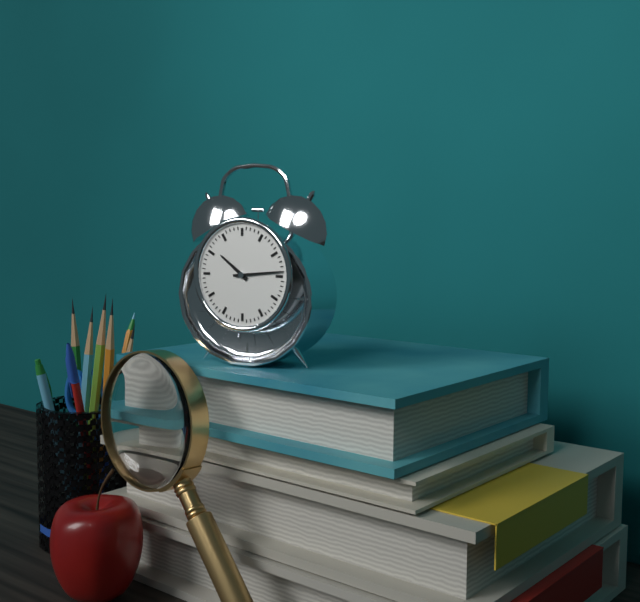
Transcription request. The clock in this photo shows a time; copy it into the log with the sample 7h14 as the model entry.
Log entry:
10h14
